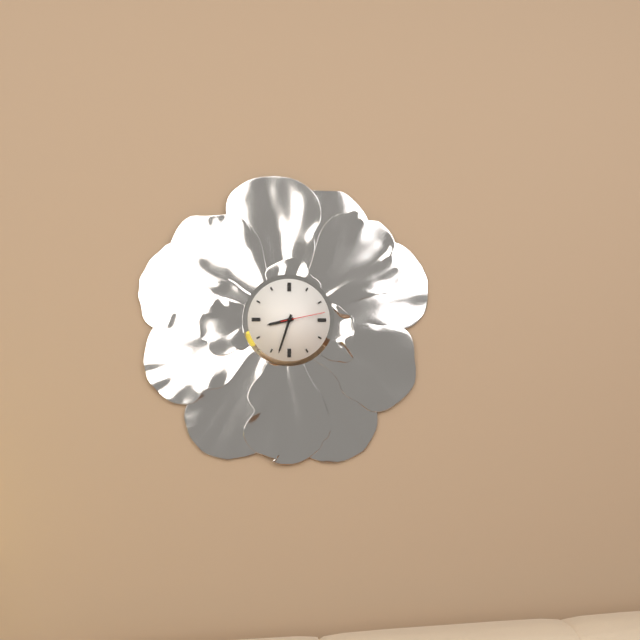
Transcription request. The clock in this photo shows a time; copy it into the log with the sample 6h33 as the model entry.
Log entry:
8h33
